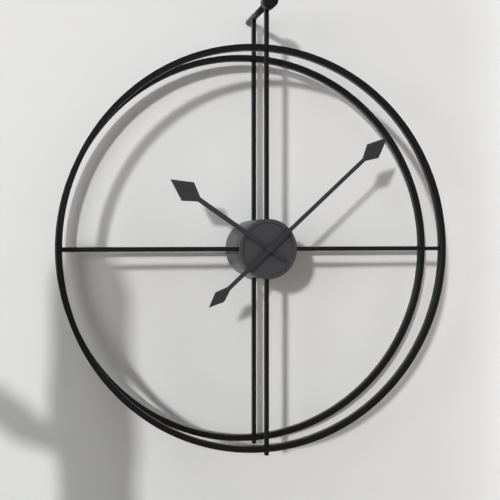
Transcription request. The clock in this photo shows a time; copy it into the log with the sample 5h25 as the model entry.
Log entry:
10h08
